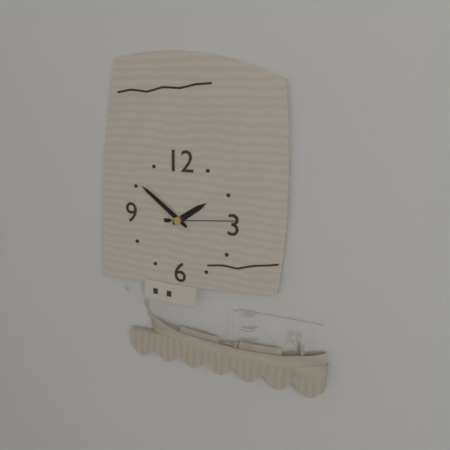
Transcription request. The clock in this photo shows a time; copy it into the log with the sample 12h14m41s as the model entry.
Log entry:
1h51m14s
